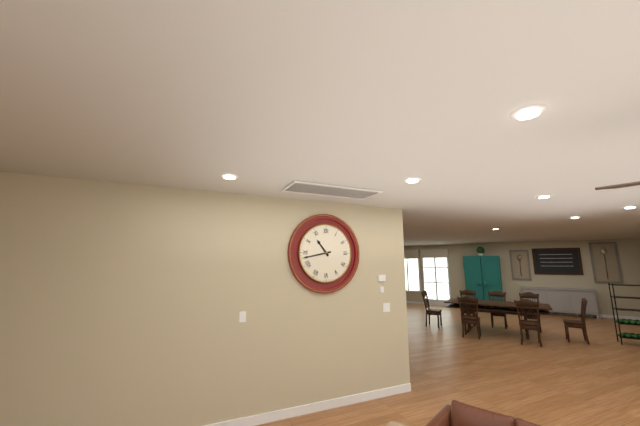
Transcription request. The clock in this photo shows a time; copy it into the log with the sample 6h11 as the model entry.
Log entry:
10h43
